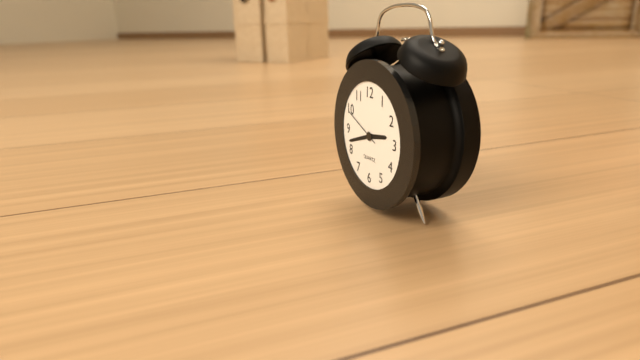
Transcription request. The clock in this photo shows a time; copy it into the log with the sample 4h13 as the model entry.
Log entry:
2h42
